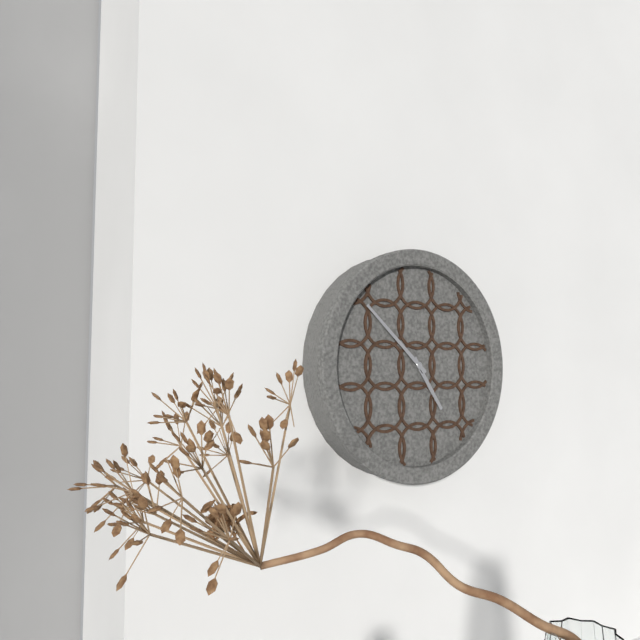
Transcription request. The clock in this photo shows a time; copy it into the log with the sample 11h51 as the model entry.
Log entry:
4h52
